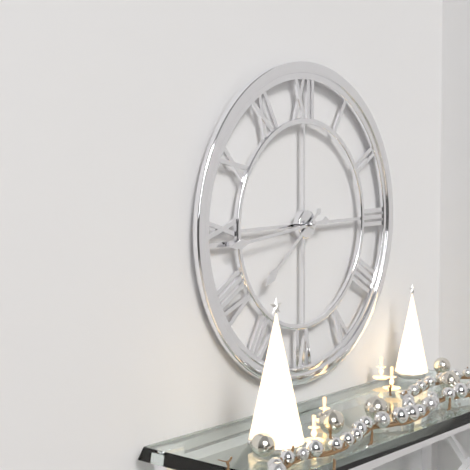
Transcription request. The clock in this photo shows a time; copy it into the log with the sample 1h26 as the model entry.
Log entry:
7h44
